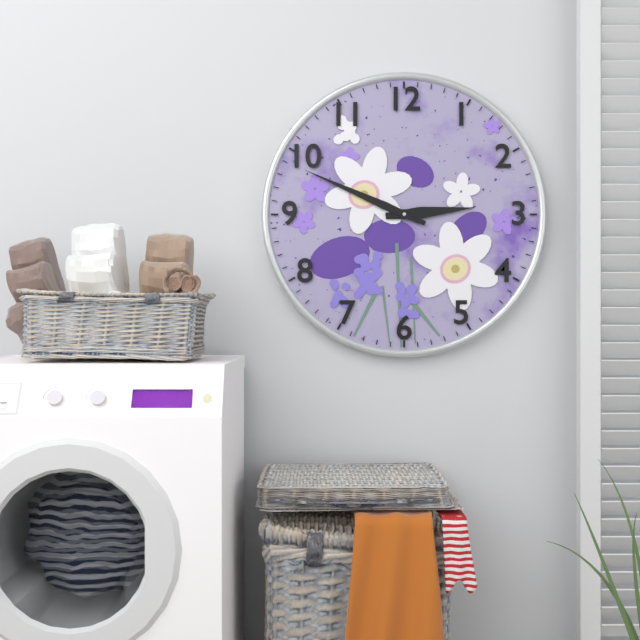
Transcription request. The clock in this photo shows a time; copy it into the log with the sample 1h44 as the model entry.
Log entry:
2h49
